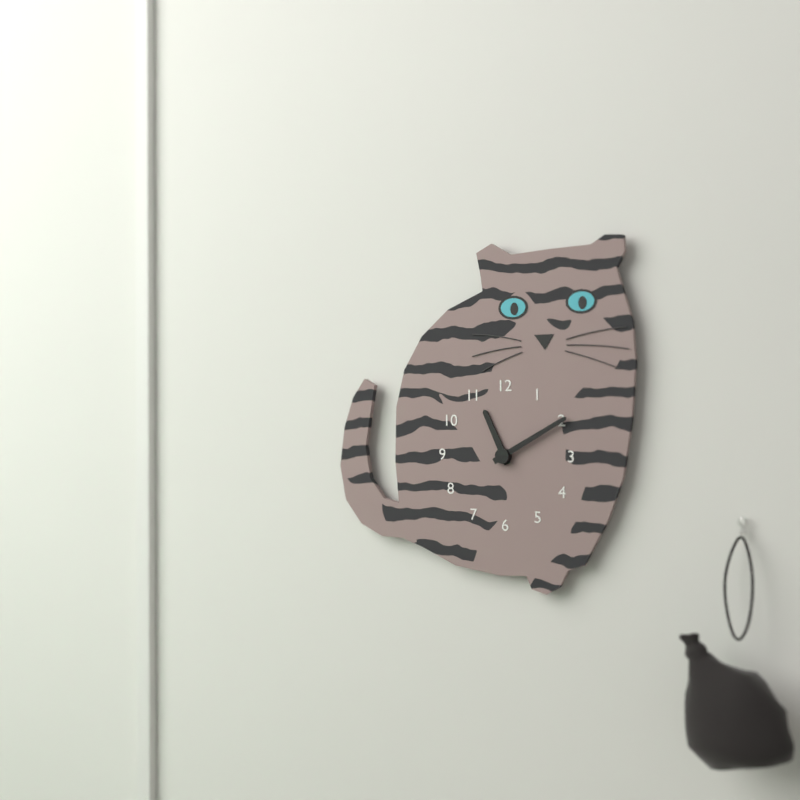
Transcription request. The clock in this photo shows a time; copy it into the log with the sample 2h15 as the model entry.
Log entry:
11h10
